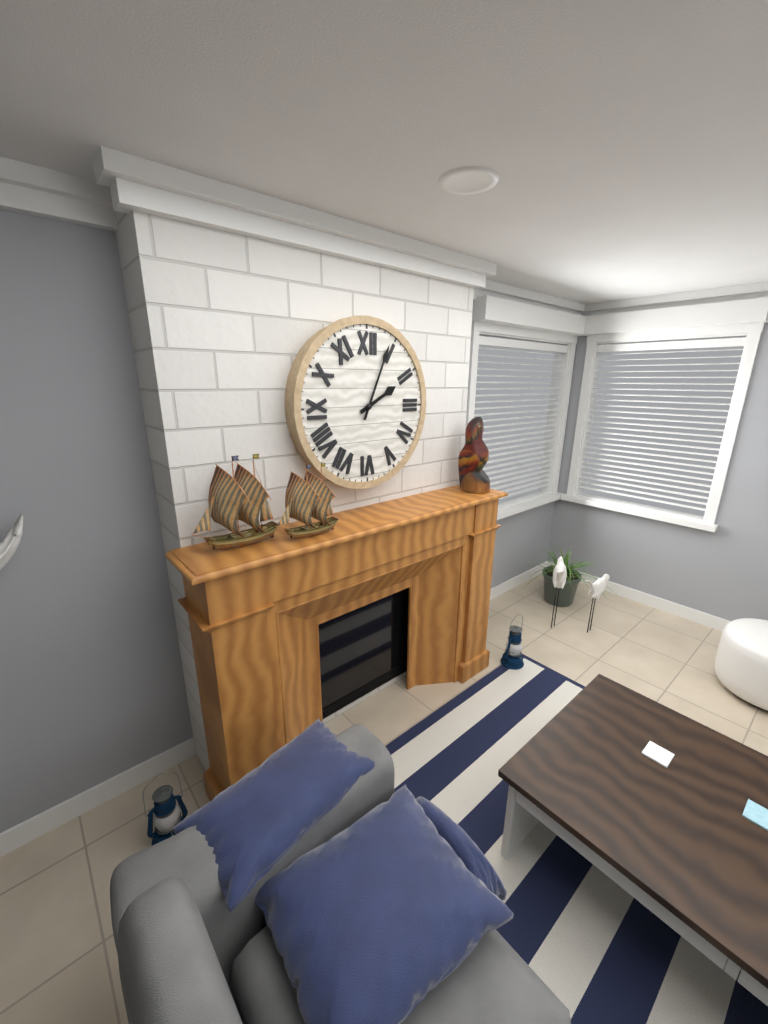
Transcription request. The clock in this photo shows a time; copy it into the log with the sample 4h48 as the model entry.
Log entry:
2h04
